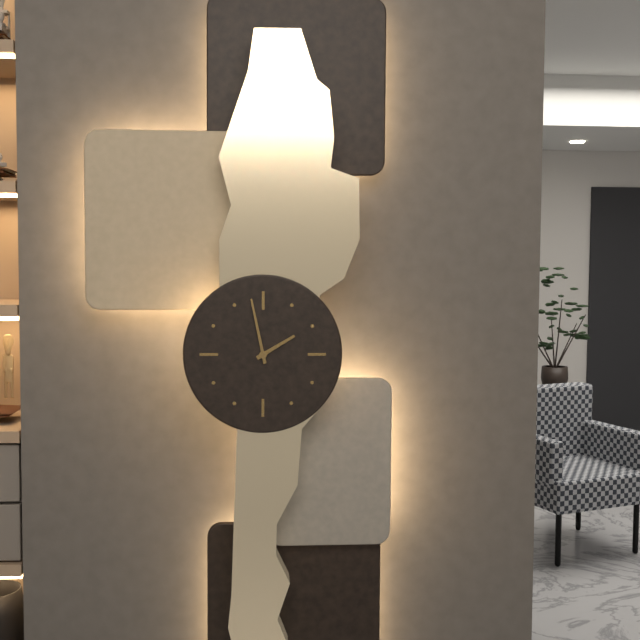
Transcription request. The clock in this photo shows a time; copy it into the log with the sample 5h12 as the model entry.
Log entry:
1h58
